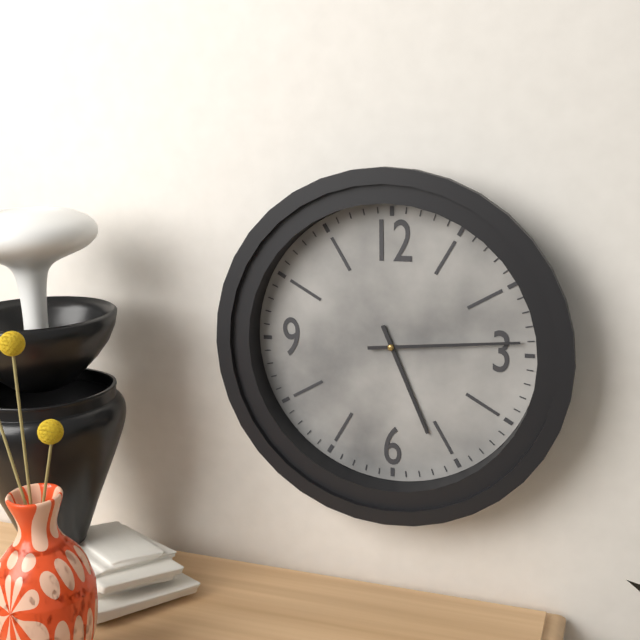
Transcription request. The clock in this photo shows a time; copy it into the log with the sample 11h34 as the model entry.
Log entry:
5h14
